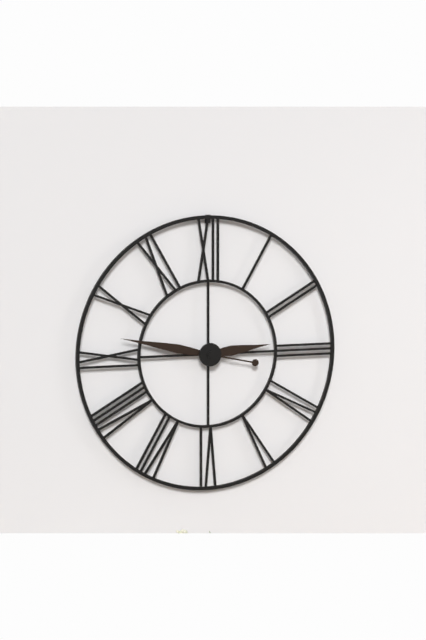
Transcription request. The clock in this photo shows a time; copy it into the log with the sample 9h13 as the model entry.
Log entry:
2h47
